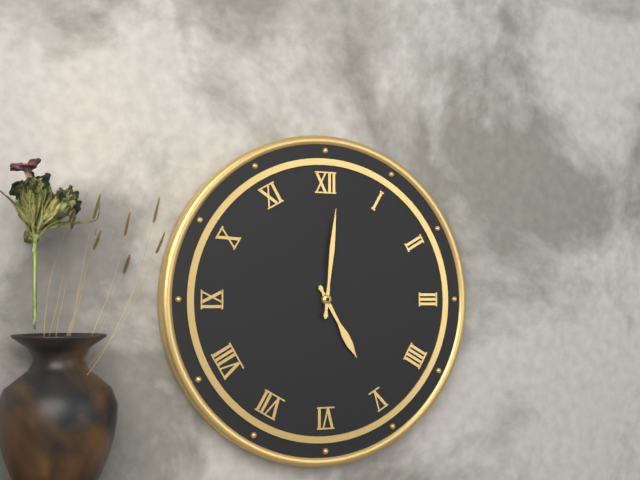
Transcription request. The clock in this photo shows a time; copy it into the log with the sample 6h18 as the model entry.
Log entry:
5h01
